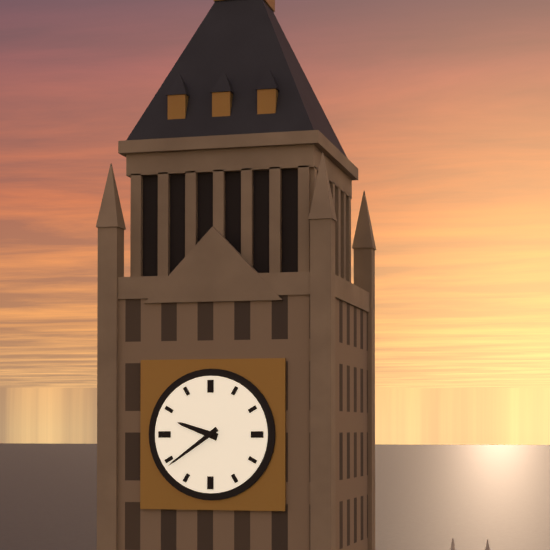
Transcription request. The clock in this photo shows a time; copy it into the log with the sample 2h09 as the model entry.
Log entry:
9h39
